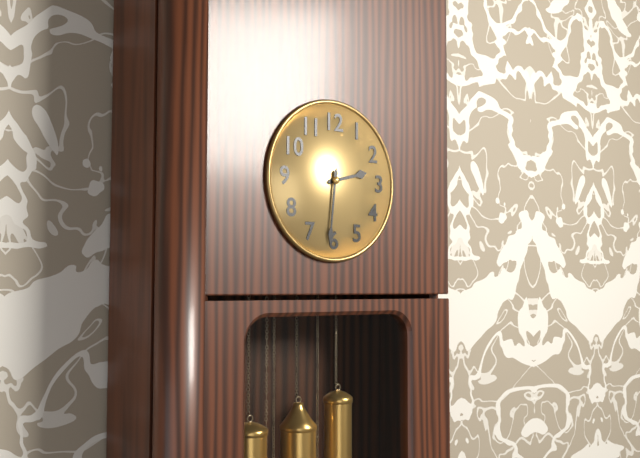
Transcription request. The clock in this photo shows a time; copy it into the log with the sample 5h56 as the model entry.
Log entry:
2h31
